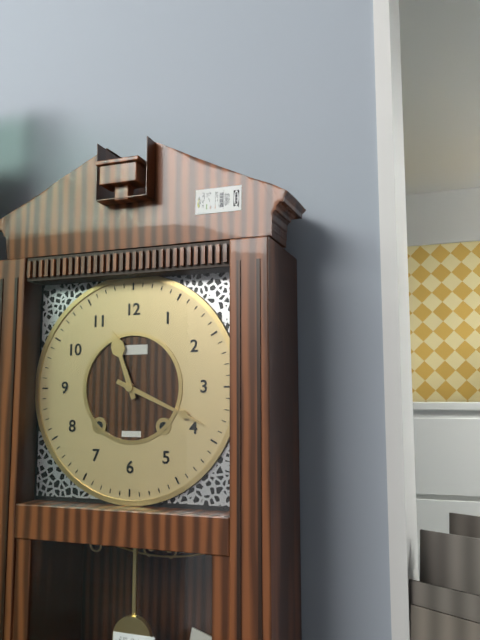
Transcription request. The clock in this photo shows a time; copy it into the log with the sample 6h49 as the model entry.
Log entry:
11h19
